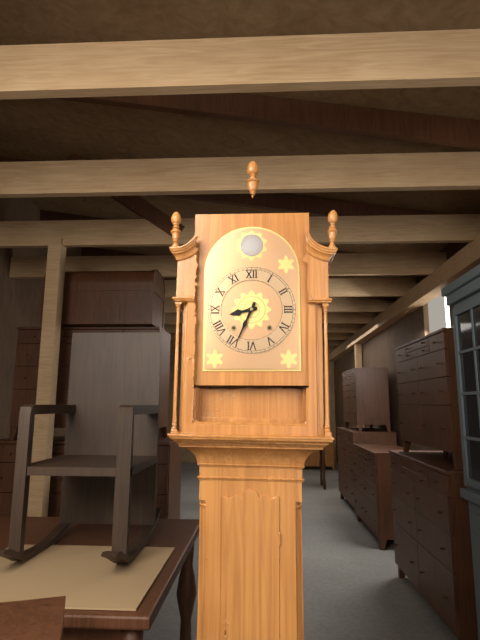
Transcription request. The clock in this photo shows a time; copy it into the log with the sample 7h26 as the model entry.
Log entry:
8h34
